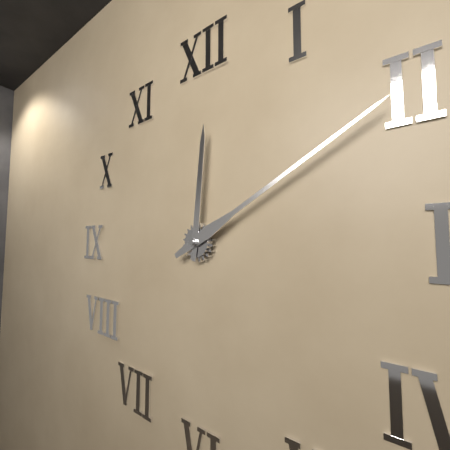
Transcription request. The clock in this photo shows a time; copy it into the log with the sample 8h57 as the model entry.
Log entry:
12h10
